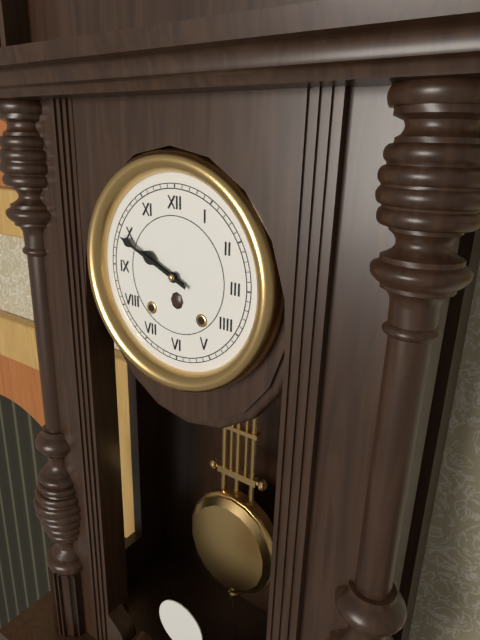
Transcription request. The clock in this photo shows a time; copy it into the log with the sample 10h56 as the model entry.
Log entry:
9h49
